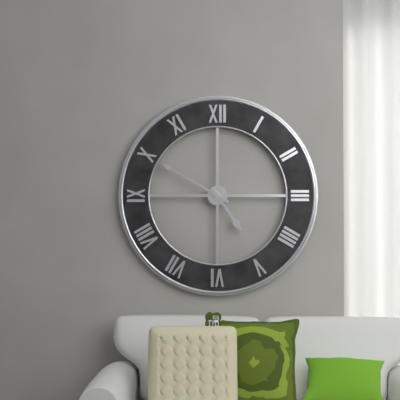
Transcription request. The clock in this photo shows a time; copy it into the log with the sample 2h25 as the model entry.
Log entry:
4h50
